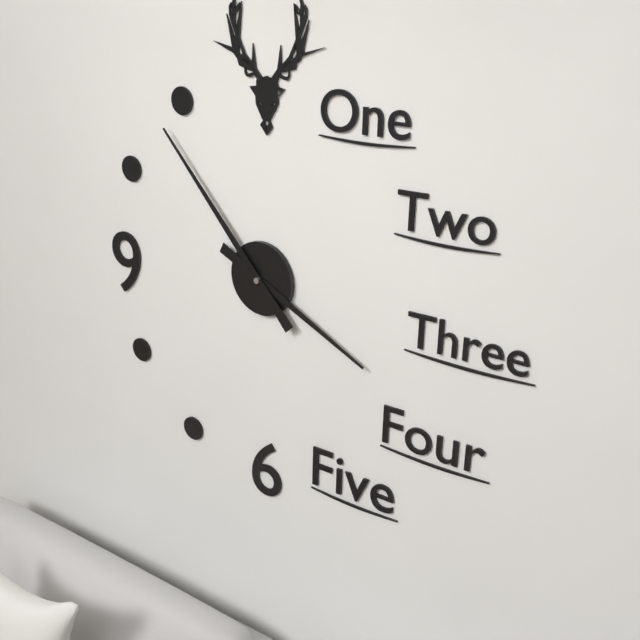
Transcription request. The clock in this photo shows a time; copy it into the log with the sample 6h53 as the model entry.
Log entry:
3h53
